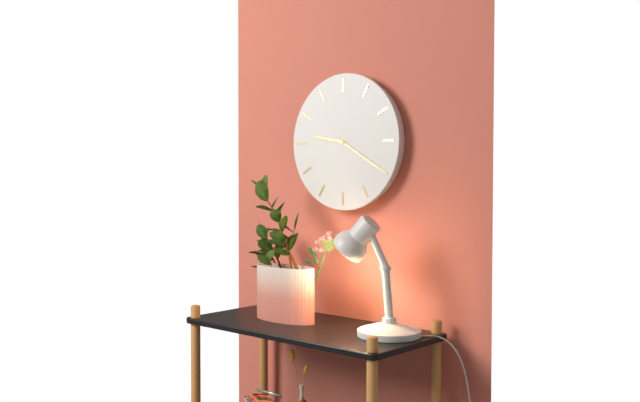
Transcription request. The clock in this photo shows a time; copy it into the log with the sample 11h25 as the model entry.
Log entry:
9h20
